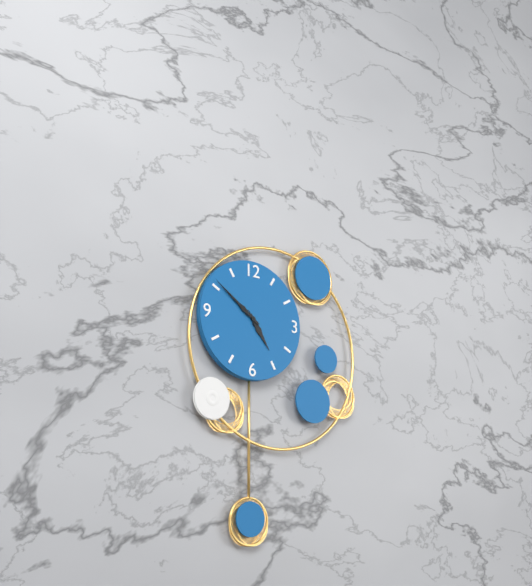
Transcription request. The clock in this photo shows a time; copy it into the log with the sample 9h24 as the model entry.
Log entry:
4h51
